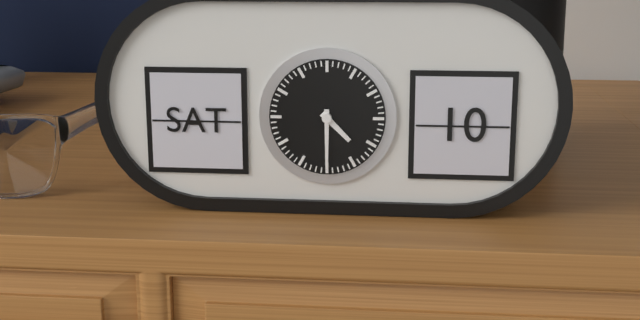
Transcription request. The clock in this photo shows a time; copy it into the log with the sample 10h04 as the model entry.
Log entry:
4h30
